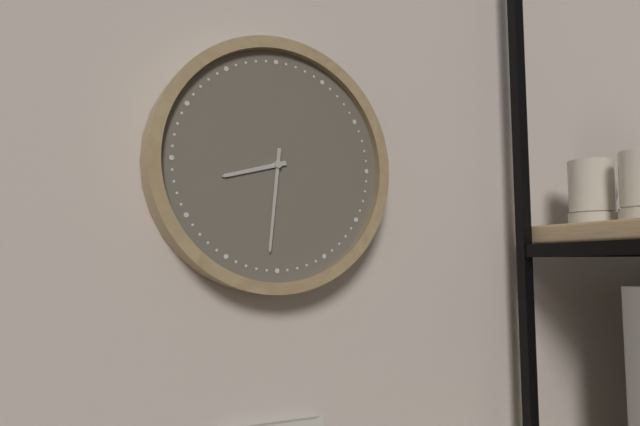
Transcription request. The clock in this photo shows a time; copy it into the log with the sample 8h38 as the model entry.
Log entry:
8h31
